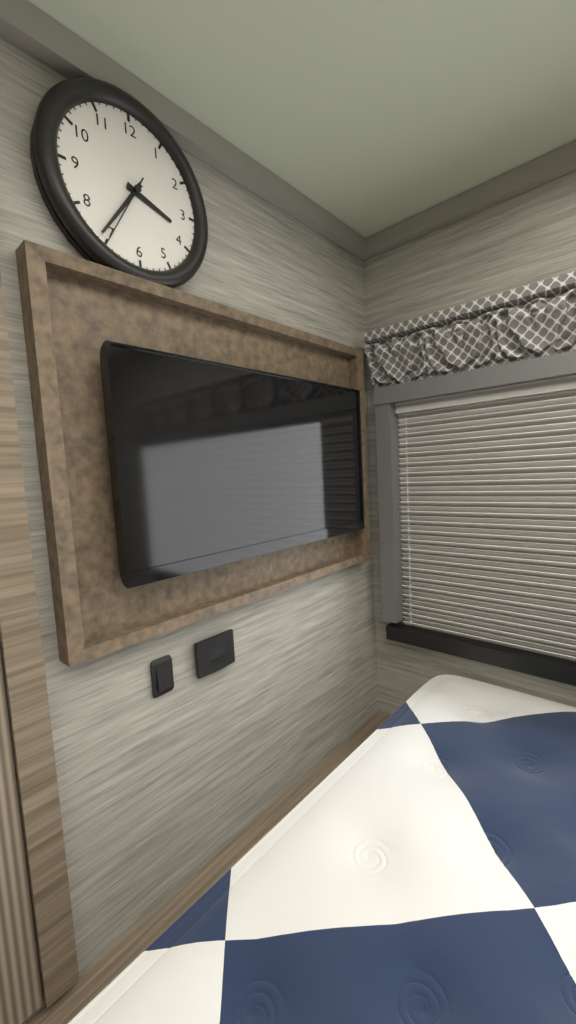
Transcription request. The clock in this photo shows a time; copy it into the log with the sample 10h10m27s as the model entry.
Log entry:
3h36m35s
